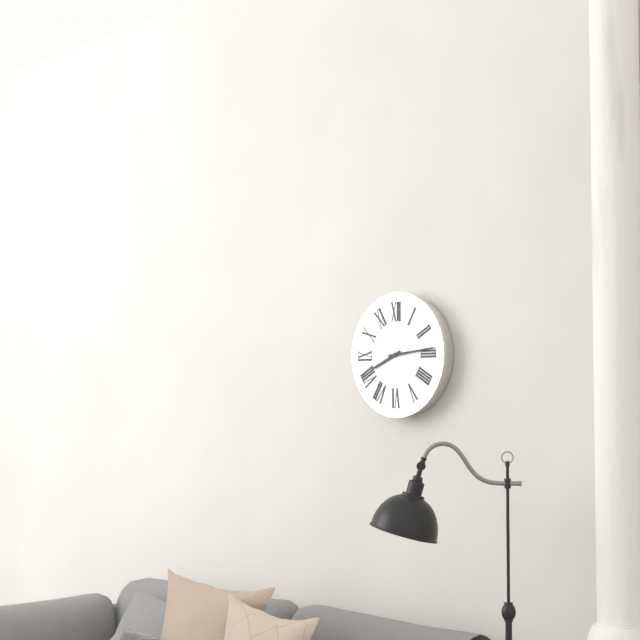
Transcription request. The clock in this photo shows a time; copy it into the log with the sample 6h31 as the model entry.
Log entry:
8h14
